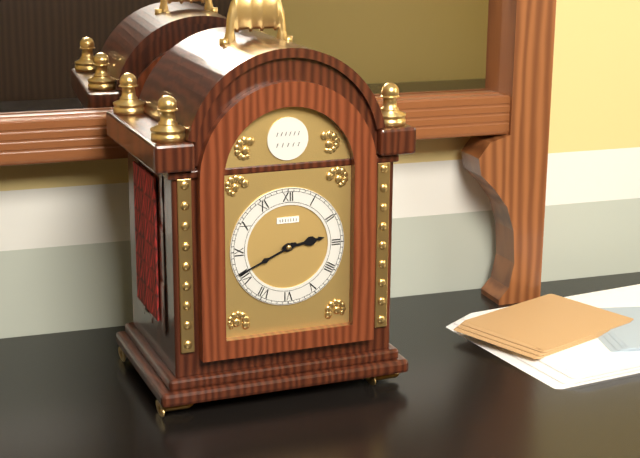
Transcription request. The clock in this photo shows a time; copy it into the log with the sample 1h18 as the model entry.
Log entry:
2h41
